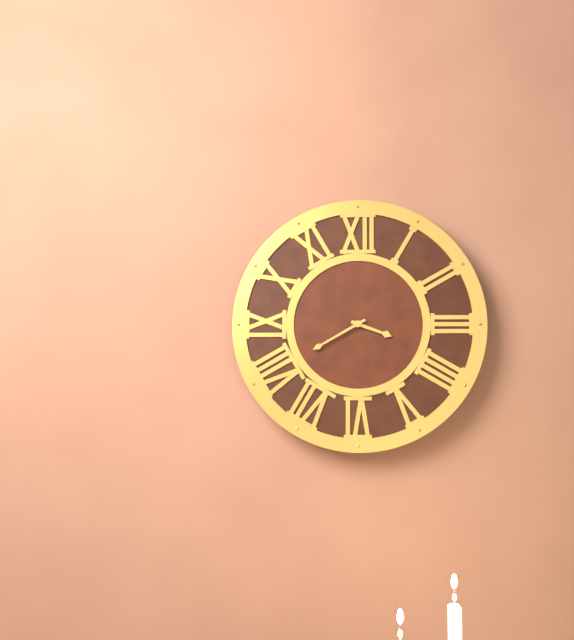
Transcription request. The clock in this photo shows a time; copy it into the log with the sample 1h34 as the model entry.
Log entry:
3h40
